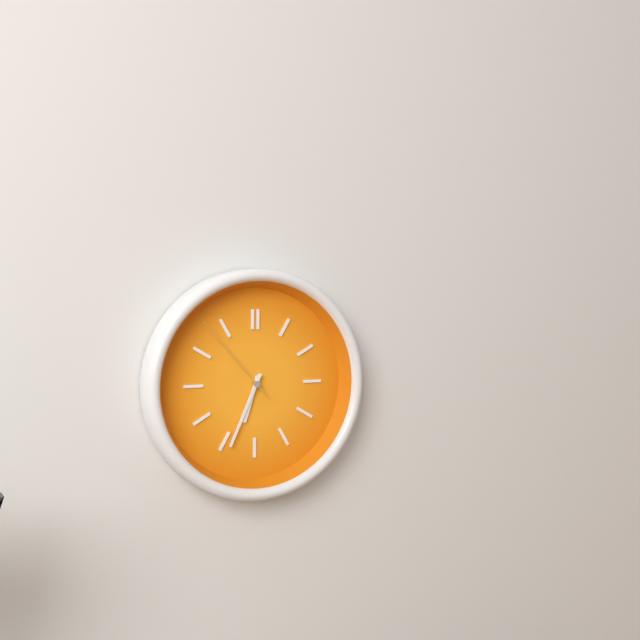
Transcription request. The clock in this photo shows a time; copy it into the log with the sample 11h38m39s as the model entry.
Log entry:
6h34m53s
